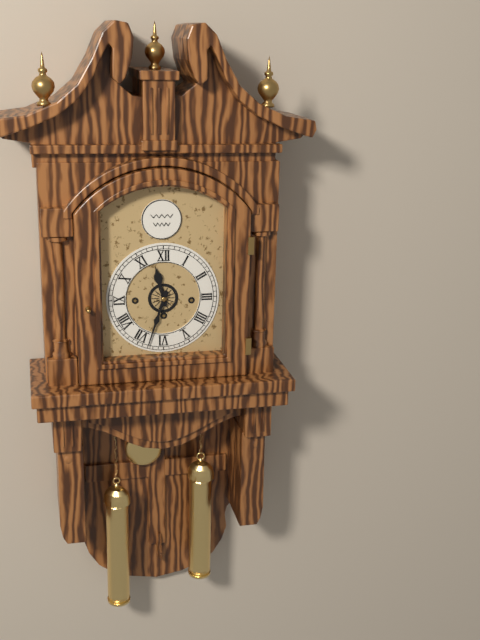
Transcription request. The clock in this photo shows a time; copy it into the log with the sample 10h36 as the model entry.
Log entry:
11h33
